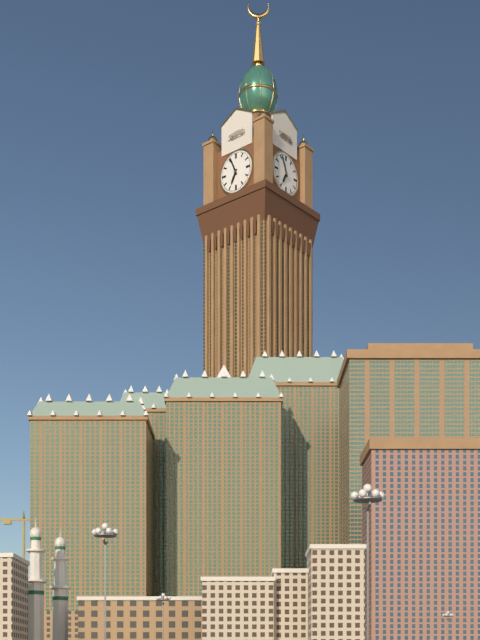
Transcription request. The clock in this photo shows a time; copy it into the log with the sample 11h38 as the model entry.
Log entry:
6h56
